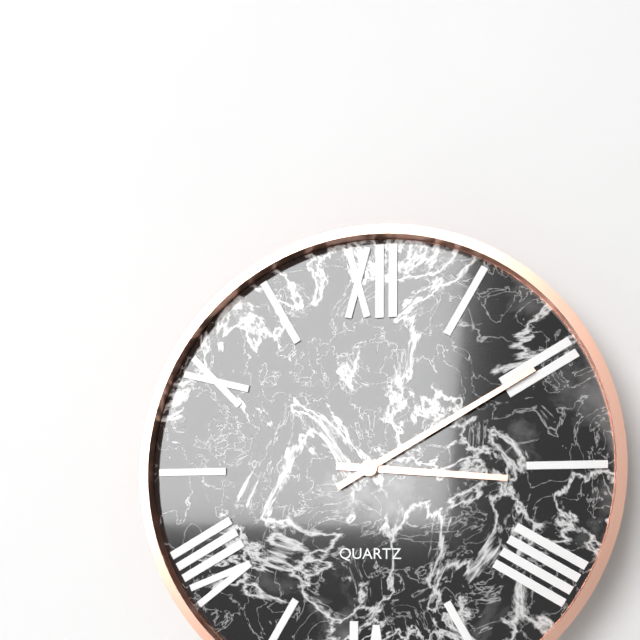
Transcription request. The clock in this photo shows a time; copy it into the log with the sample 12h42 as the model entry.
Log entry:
3h10
